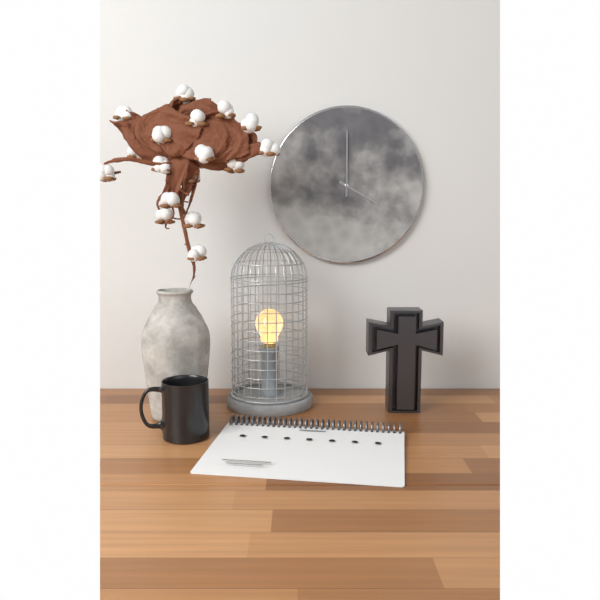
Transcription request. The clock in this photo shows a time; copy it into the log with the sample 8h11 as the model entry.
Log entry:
4h00
